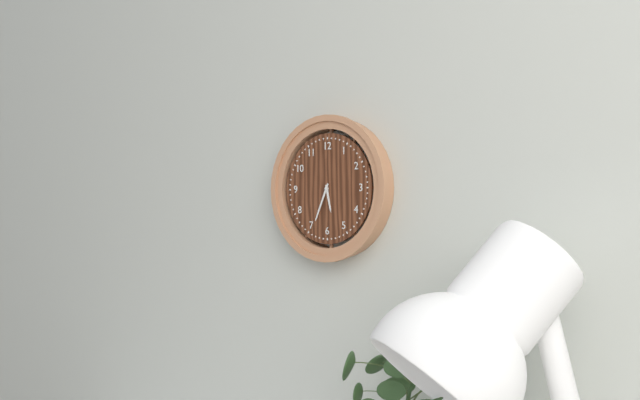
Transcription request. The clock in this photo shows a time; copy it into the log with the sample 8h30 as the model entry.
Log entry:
5h34
